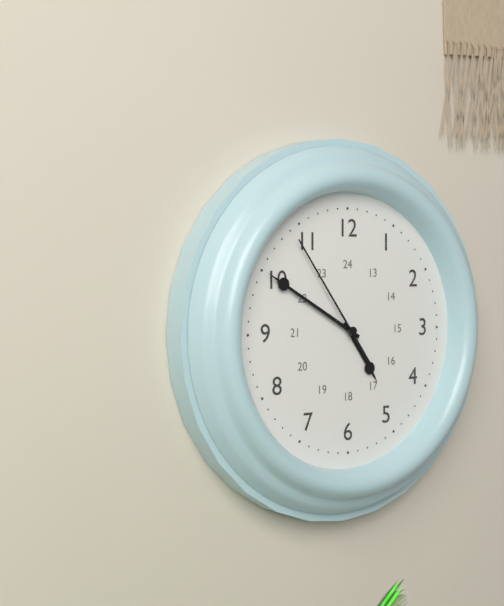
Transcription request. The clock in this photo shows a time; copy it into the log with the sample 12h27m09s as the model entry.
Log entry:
4h50m54s
